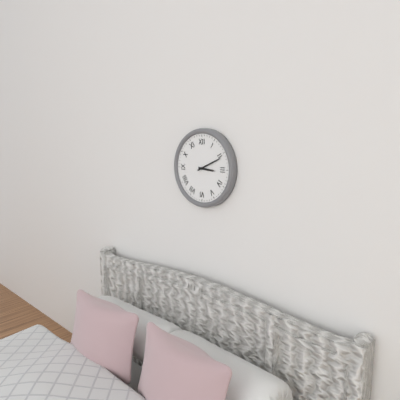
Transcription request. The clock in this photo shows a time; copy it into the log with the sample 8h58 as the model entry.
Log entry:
3h11
